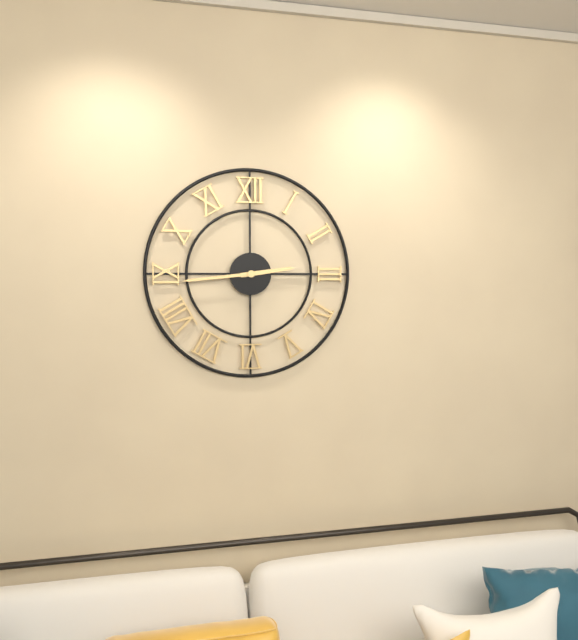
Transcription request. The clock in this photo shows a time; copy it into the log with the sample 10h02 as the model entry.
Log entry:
2h44
